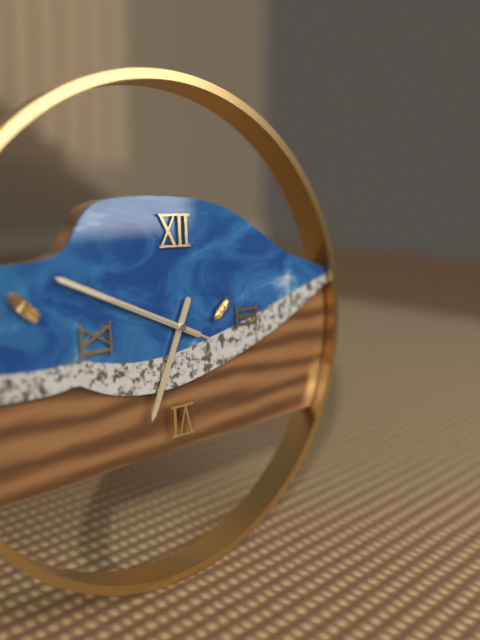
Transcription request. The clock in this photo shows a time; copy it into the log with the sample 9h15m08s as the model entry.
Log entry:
6h49m49s
